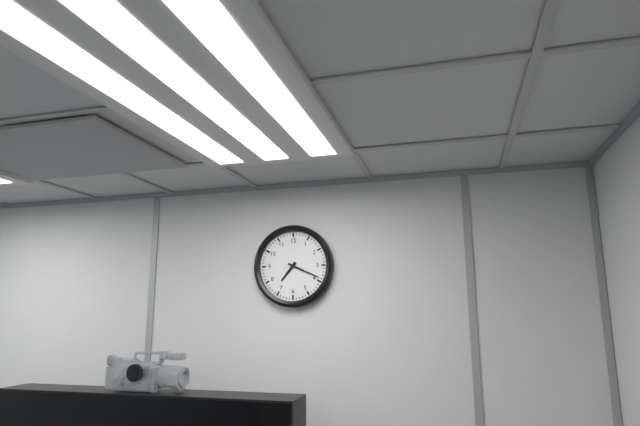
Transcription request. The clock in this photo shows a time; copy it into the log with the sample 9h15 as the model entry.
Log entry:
7h19
